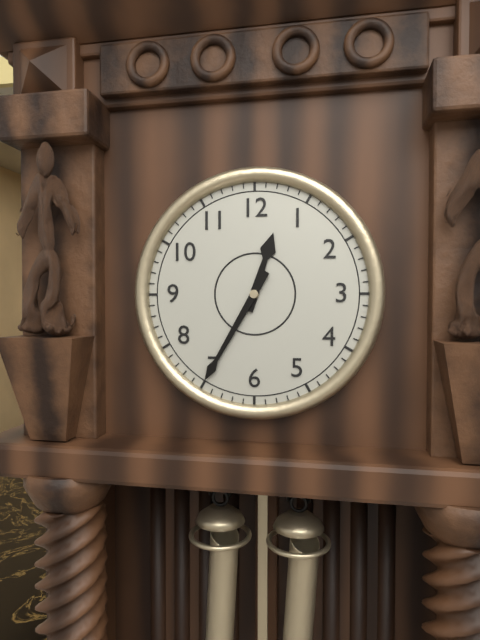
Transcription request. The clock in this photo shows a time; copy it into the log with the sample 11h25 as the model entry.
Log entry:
12h35
